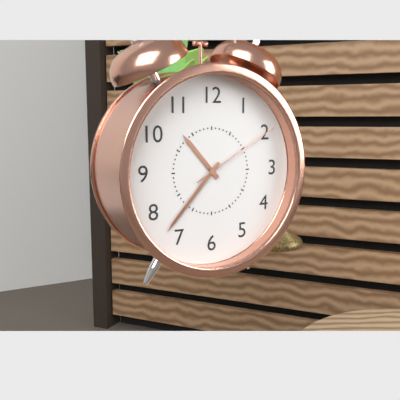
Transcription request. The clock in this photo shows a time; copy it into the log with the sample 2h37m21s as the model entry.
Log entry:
10h37m10s
